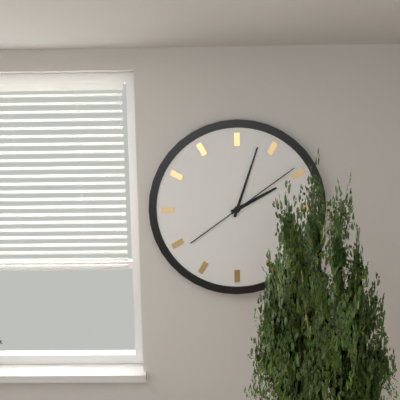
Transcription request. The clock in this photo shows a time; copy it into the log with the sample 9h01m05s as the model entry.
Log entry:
2h03m09s
